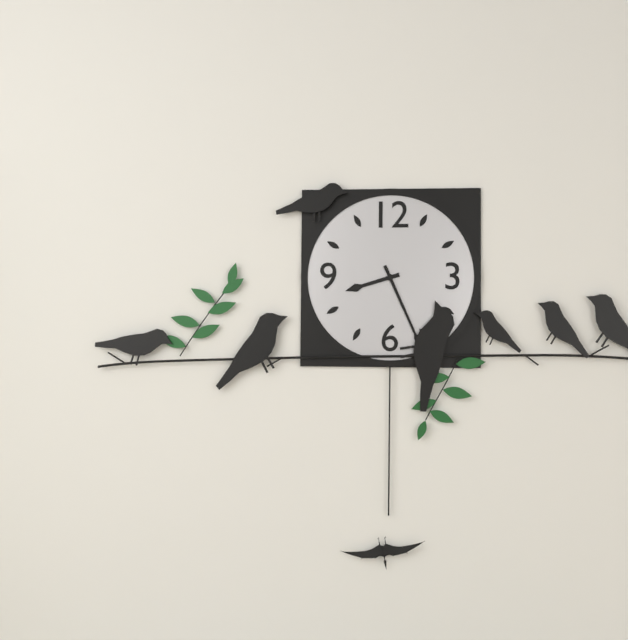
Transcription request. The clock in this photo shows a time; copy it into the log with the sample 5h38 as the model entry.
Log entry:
8h26
